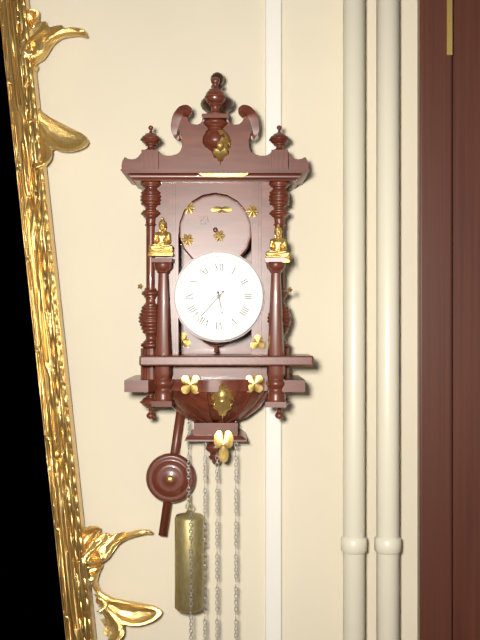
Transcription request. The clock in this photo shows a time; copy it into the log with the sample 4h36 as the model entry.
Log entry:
5h37
